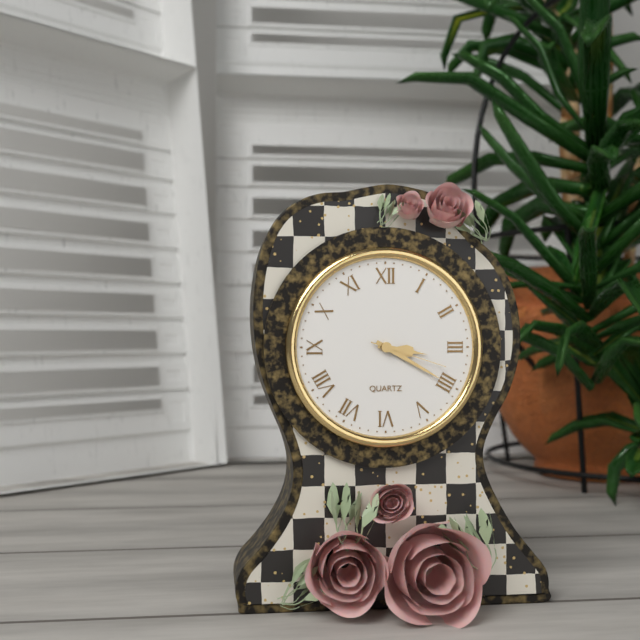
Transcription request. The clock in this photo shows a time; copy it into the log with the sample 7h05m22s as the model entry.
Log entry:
3h20m18s
